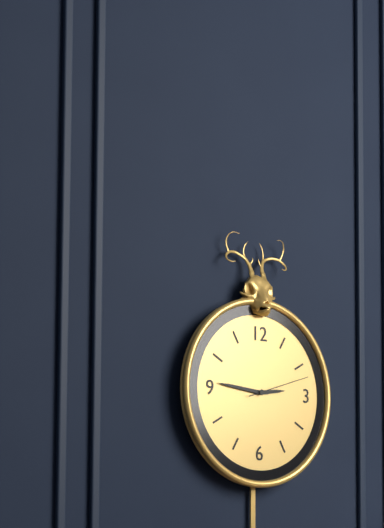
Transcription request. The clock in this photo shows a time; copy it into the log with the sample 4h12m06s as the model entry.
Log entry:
2h46m12s
